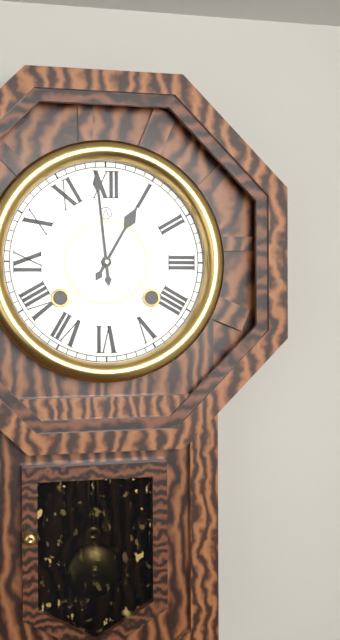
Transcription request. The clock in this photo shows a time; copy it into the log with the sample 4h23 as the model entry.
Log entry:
12h59
